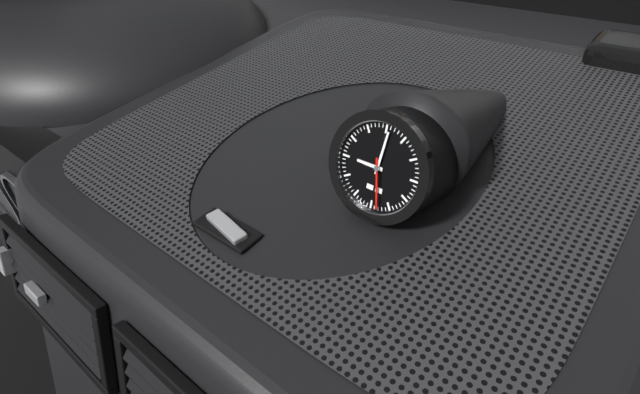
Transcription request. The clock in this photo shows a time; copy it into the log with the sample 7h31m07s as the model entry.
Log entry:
9h01m28s
